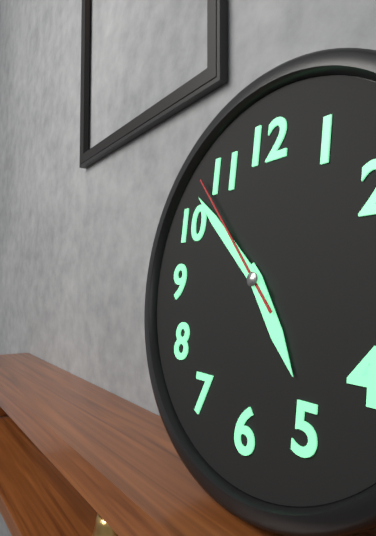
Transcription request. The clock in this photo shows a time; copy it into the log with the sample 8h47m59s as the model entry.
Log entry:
4h52m53s
